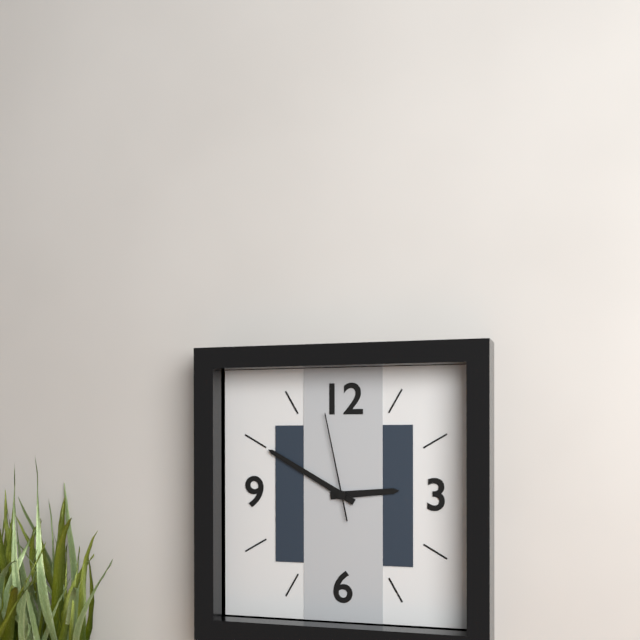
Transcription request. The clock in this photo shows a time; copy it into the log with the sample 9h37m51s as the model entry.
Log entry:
2h50m58s
